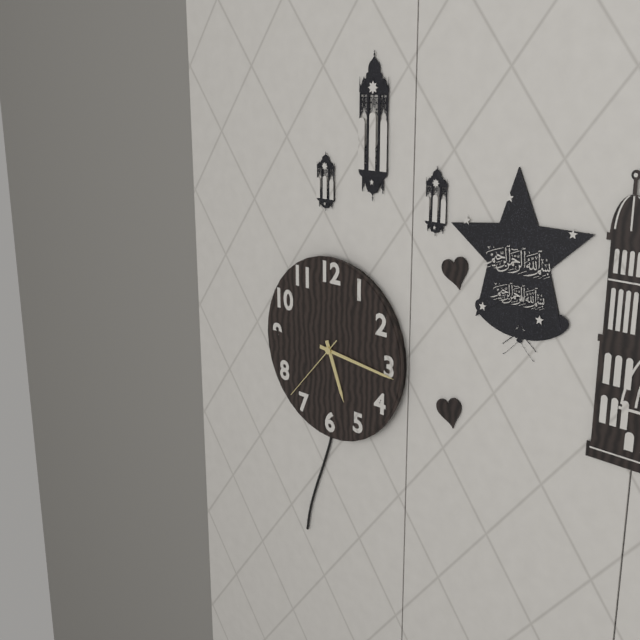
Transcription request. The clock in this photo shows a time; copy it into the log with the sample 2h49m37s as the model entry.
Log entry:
5h16m37s
